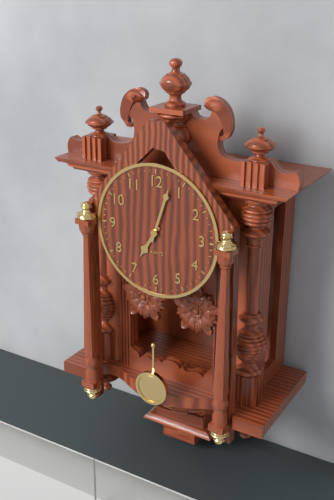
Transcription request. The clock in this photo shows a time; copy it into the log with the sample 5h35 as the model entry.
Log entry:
7h03
